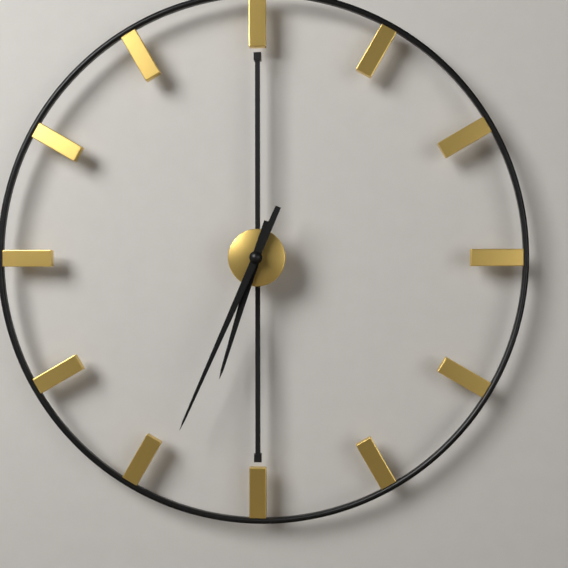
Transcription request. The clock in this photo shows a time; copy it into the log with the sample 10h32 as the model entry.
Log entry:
6h34
